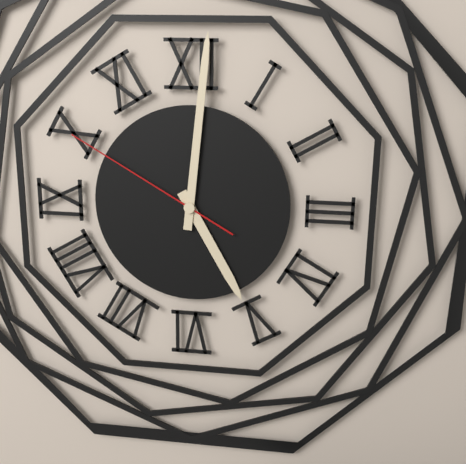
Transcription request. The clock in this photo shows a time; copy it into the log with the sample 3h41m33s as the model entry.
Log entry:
5h01m50s
